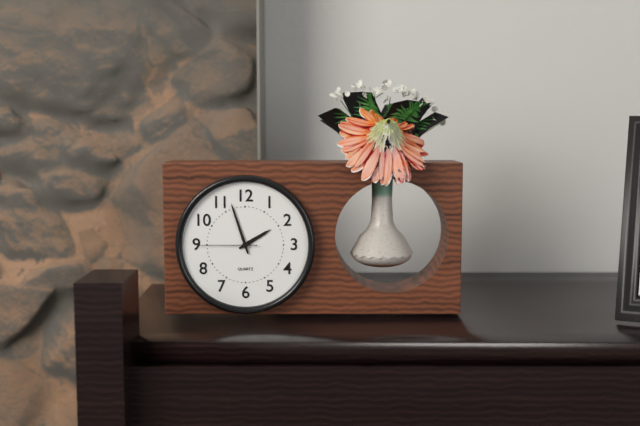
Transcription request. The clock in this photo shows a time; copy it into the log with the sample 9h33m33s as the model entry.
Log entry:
1h57m45s
